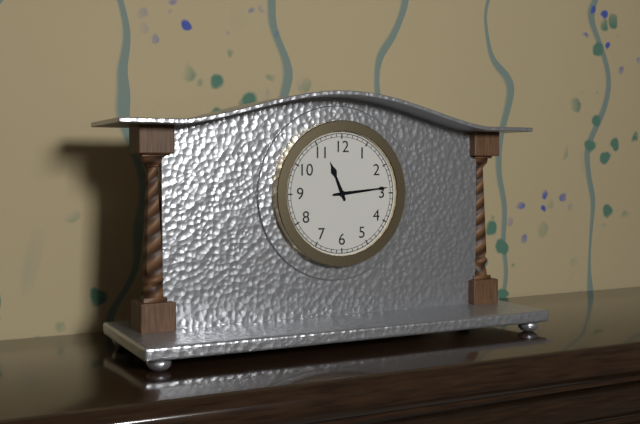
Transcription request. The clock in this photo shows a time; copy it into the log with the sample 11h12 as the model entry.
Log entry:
11h14
